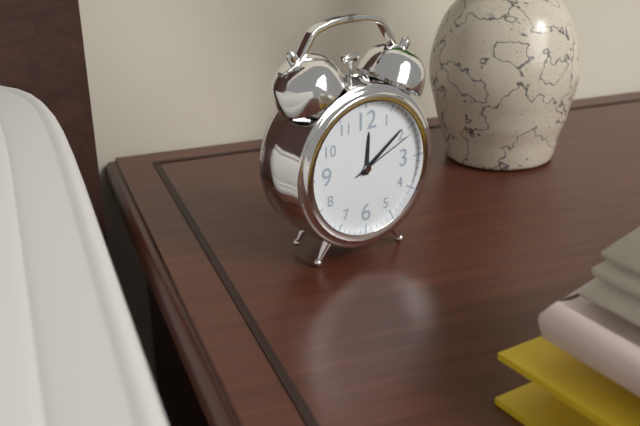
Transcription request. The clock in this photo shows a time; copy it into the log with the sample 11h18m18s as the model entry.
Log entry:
12h09m11s
